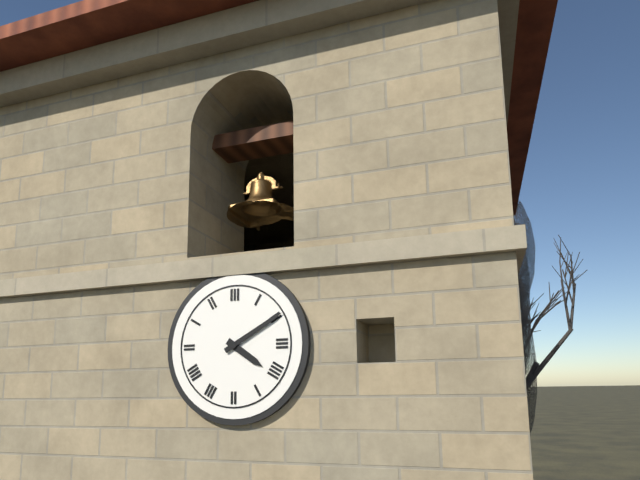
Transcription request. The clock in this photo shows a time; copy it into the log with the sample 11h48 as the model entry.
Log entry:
4h10
